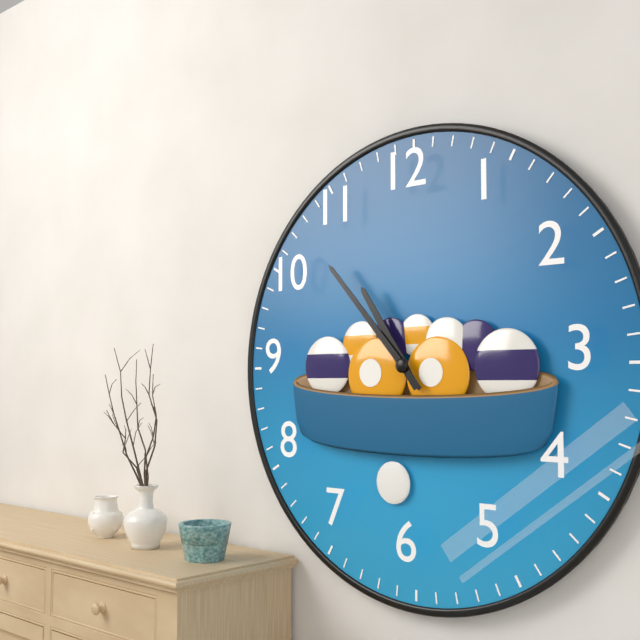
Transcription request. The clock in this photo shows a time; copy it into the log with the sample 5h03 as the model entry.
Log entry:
10h53
